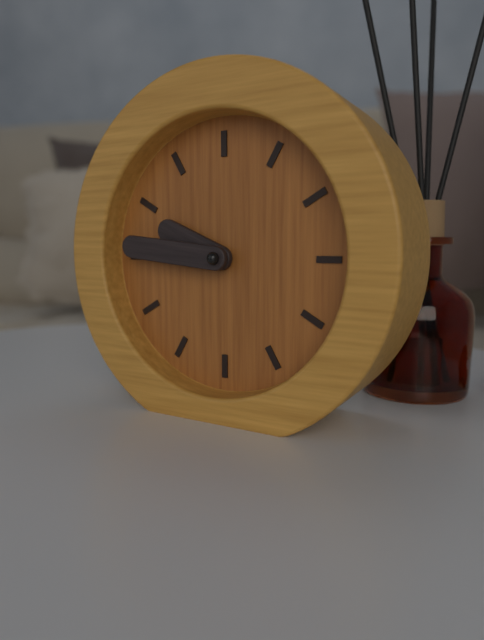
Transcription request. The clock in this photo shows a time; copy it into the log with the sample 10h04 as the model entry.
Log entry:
9h46
